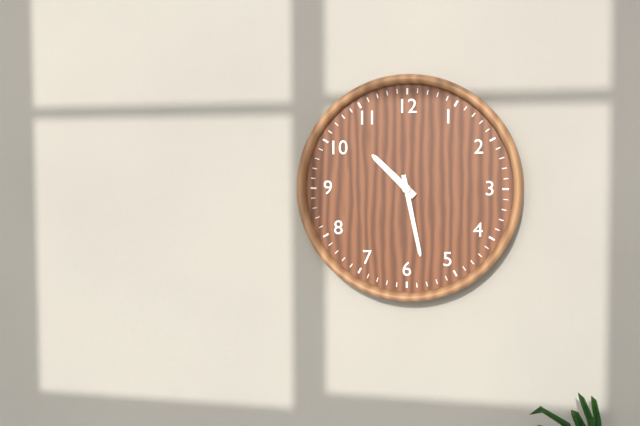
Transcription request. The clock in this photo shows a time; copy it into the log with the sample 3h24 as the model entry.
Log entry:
10h28
